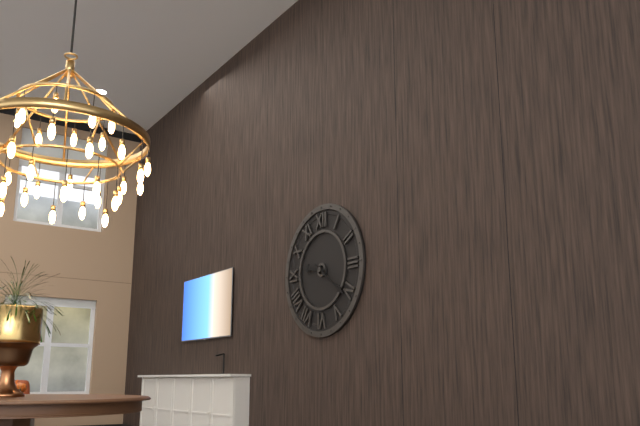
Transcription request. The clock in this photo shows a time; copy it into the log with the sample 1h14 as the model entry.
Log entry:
9h21
